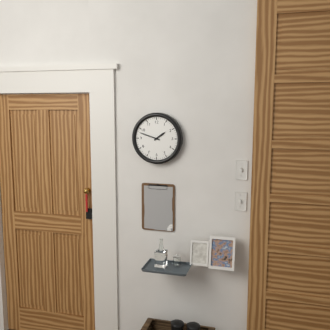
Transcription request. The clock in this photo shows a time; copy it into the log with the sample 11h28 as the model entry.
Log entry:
1h48
